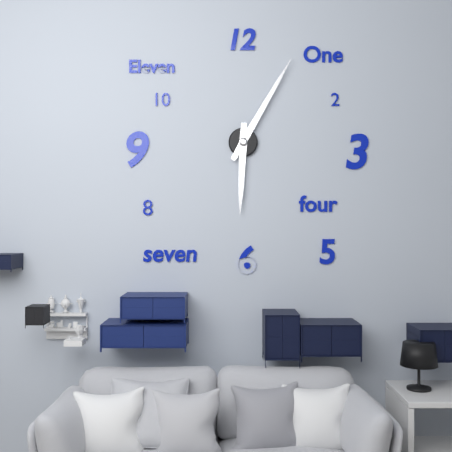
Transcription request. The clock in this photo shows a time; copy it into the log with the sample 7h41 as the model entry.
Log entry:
6h05
